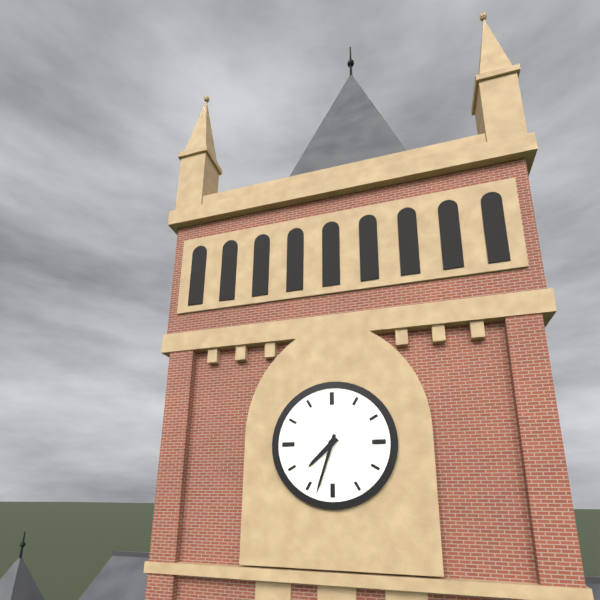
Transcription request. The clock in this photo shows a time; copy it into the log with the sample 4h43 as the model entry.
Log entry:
7h33
